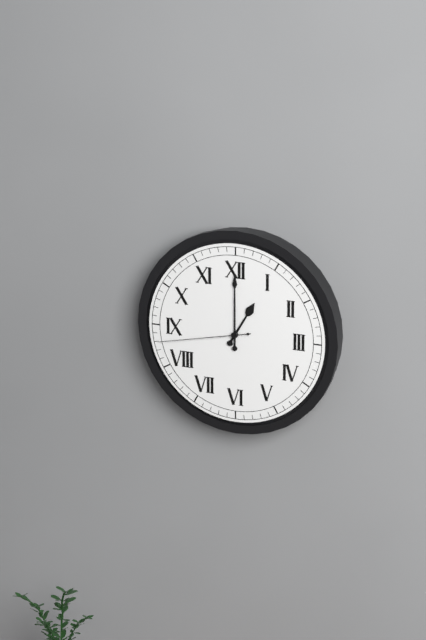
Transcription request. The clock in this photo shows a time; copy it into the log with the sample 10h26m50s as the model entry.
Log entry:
1h00m43s
